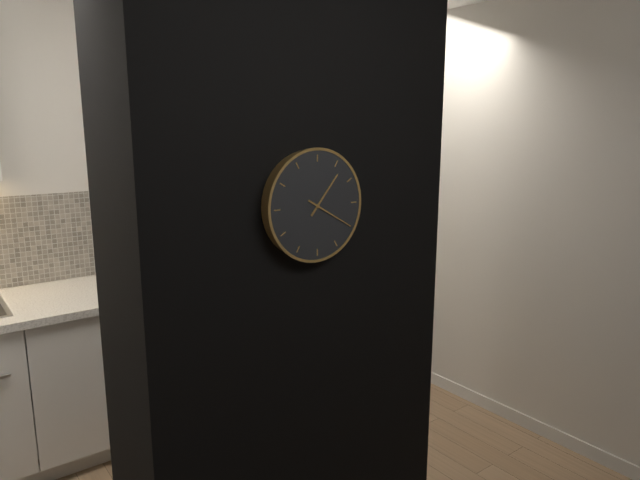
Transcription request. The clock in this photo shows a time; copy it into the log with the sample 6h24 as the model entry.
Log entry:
1h20
